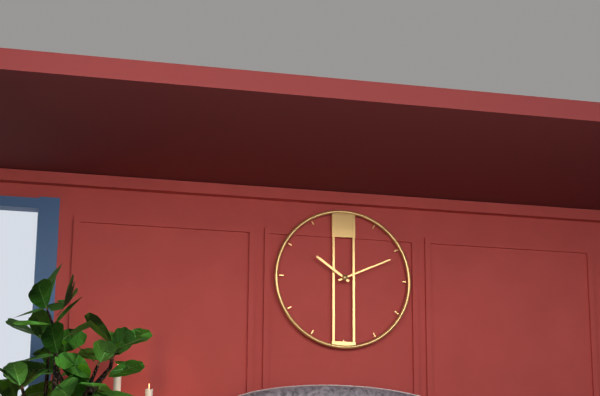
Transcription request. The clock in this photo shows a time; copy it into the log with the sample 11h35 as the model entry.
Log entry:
10h11
